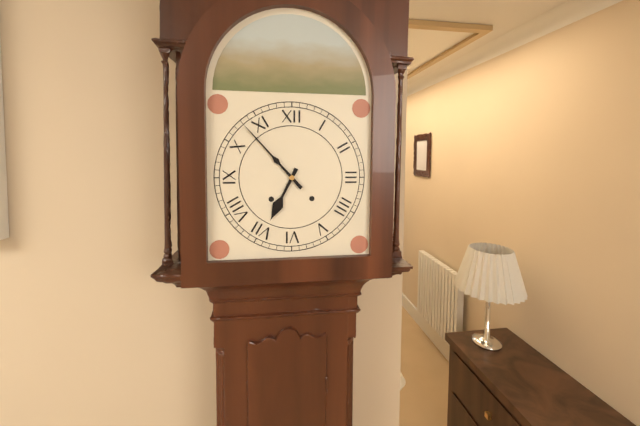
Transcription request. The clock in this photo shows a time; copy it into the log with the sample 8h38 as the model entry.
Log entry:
6h53
